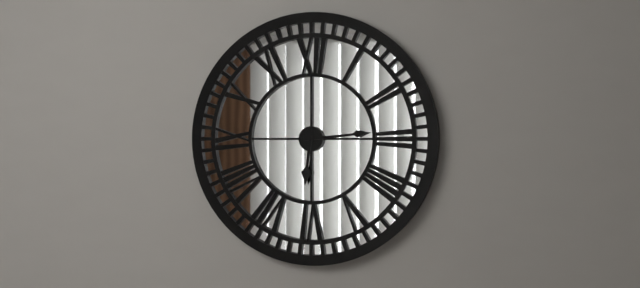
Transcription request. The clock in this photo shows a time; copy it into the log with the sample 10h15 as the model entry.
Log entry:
6h14
